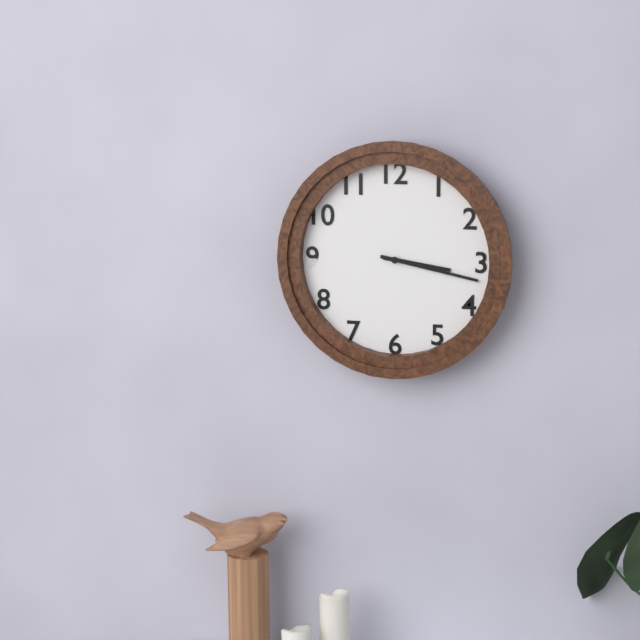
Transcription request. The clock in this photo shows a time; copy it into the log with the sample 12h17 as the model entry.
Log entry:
3h17
